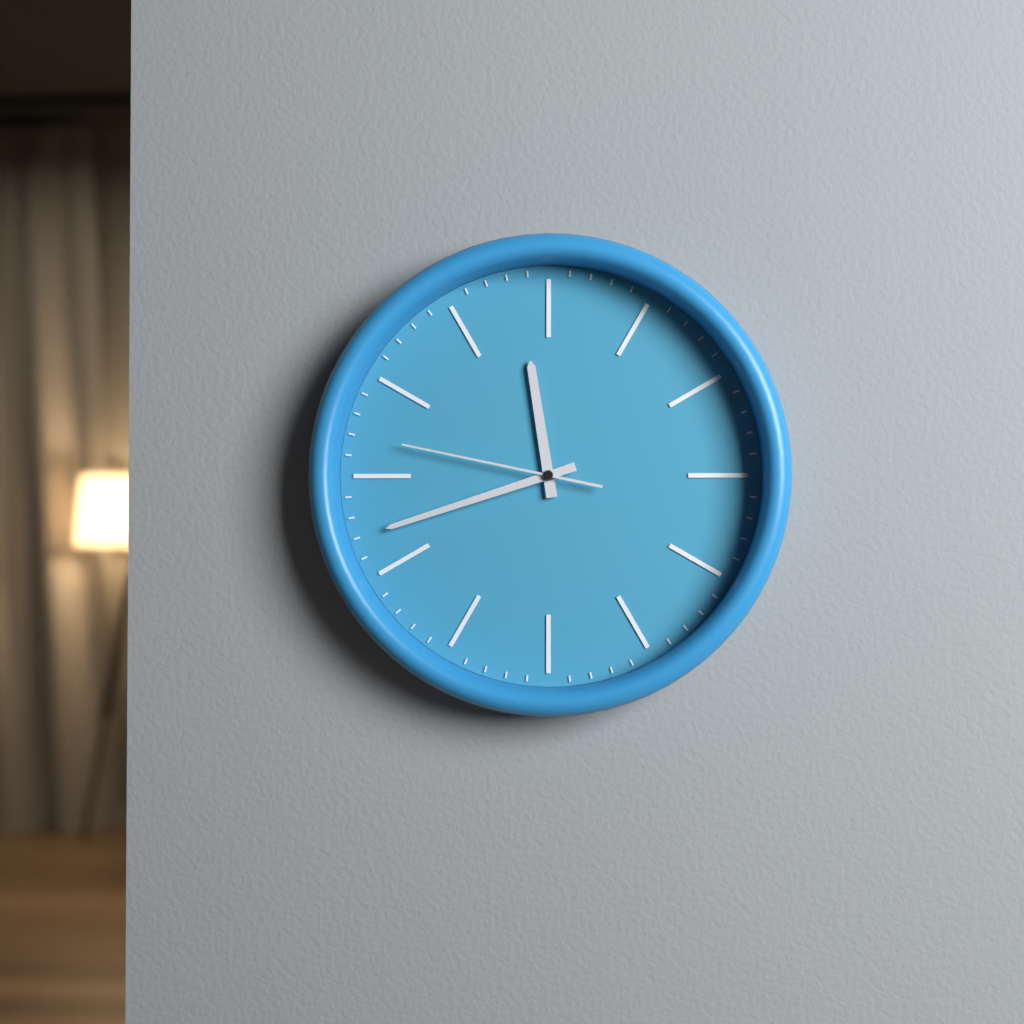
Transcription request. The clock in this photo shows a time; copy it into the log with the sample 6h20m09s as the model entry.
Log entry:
11h42m47s
